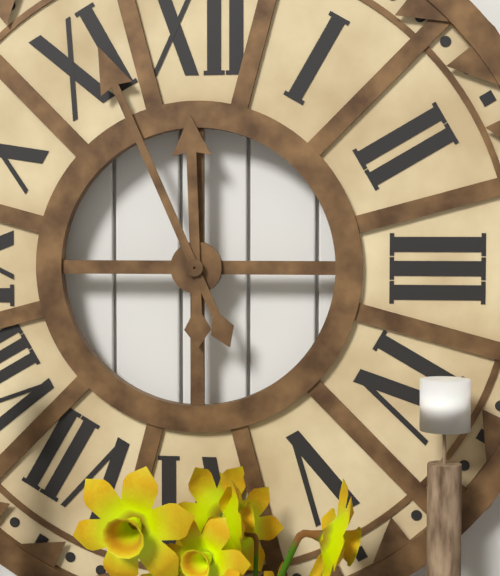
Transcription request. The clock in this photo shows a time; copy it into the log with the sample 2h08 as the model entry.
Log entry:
11h56
